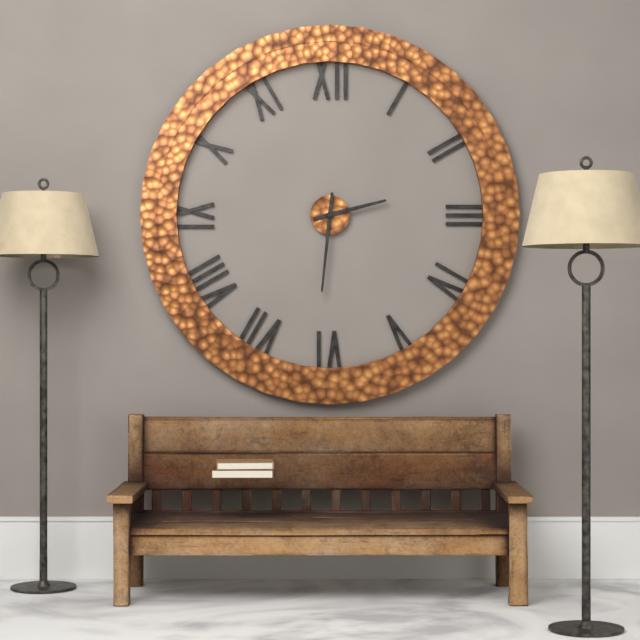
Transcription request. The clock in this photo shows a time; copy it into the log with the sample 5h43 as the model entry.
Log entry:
2h31
